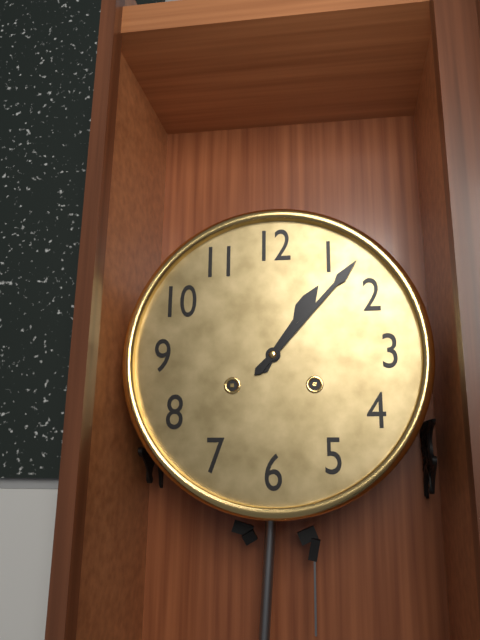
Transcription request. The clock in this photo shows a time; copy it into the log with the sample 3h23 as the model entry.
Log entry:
1h07
